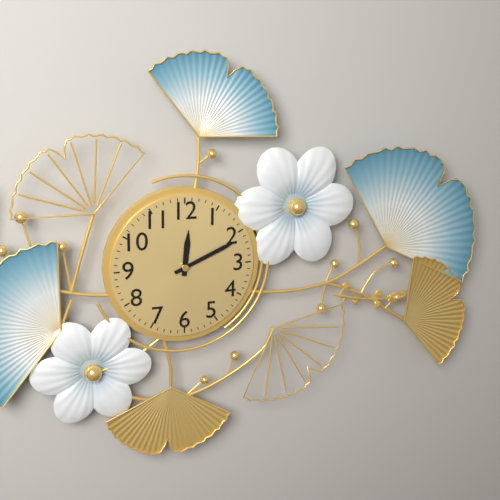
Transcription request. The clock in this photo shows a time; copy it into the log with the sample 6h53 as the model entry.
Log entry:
12h11
